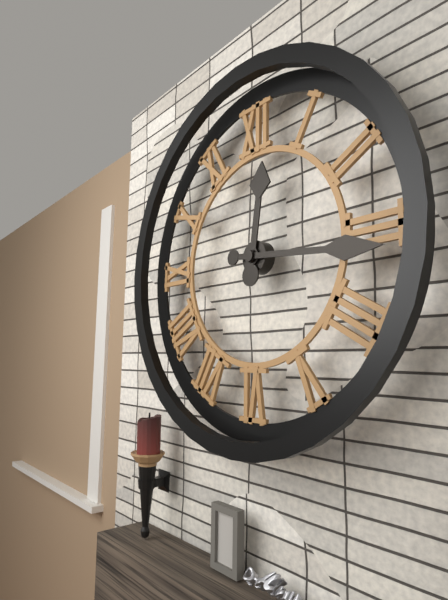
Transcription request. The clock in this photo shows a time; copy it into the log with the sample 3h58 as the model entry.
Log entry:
12h16
